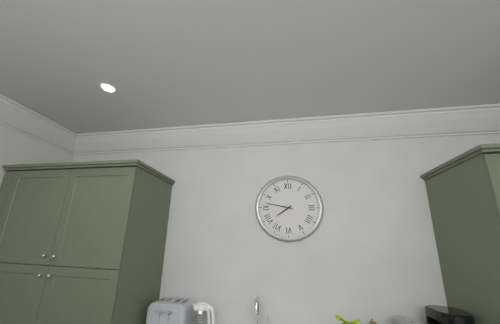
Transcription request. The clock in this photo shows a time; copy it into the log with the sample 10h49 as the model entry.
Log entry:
7h47
